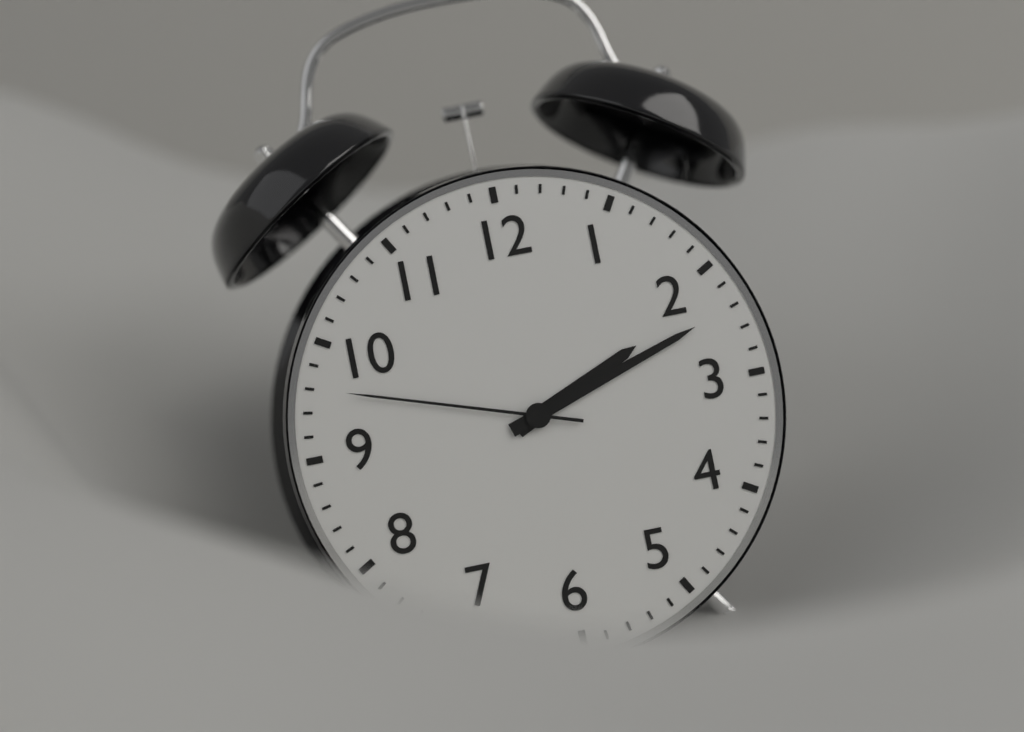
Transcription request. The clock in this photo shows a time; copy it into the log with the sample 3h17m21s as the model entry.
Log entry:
2h12m48s
